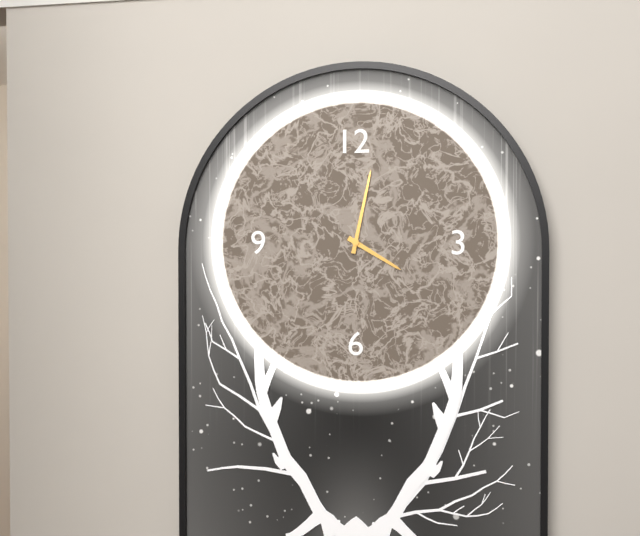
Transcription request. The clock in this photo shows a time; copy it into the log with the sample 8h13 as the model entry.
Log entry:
4h02
